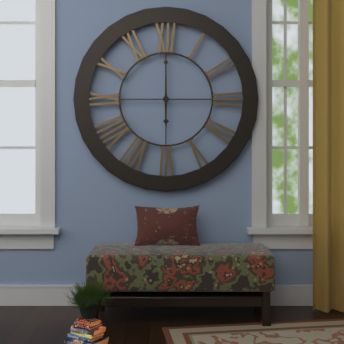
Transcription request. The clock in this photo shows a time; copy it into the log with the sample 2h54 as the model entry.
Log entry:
6h00
